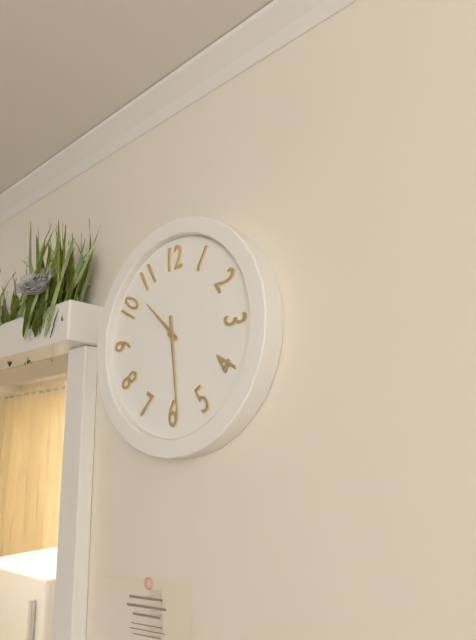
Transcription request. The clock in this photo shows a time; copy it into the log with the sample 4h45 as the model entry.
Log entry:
10h29
